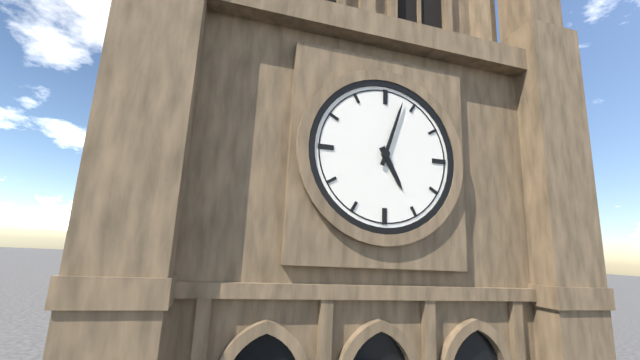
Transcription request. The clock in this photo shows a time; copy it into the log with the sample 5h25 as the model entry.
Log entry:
5h03
